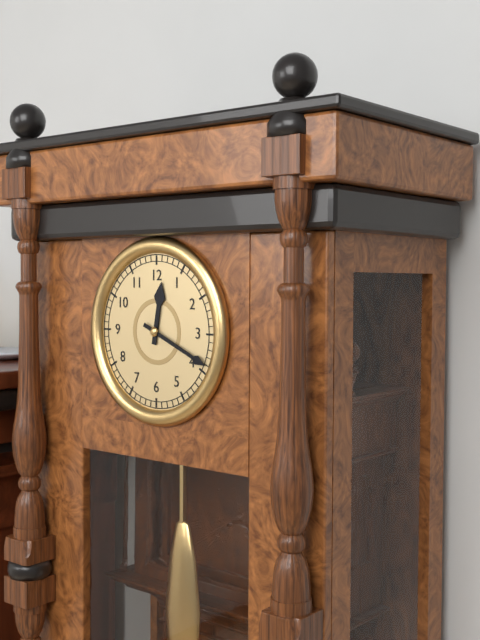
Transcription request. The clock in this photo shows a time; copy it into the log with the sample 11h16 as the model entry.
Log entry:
12h19
